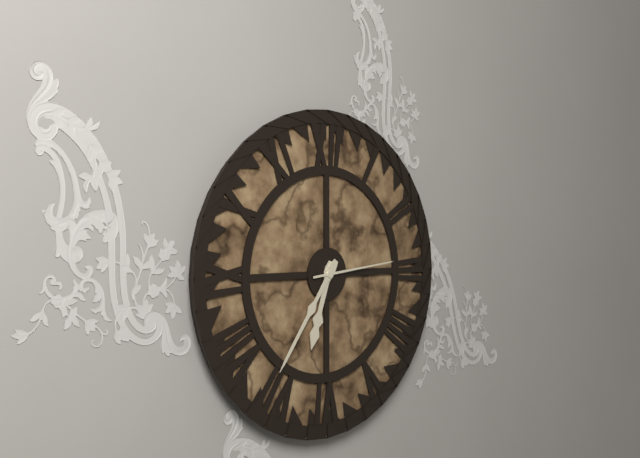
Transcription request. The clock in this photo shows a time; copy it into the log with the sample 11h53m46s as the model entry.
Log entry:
6h36m14s
